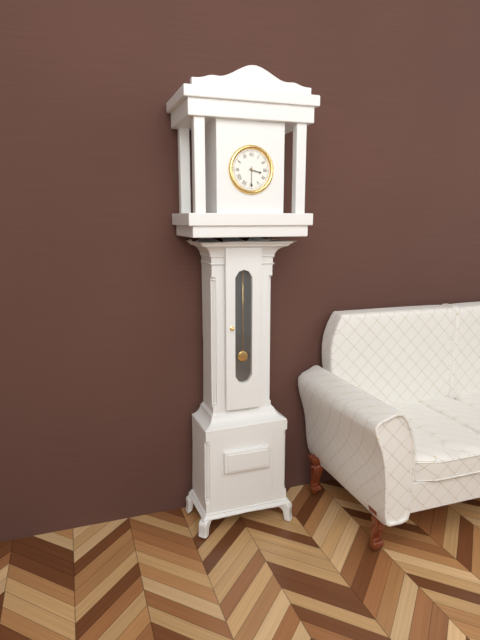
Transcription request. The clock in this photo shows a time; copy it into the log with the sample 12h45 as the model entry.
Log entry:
3h30
